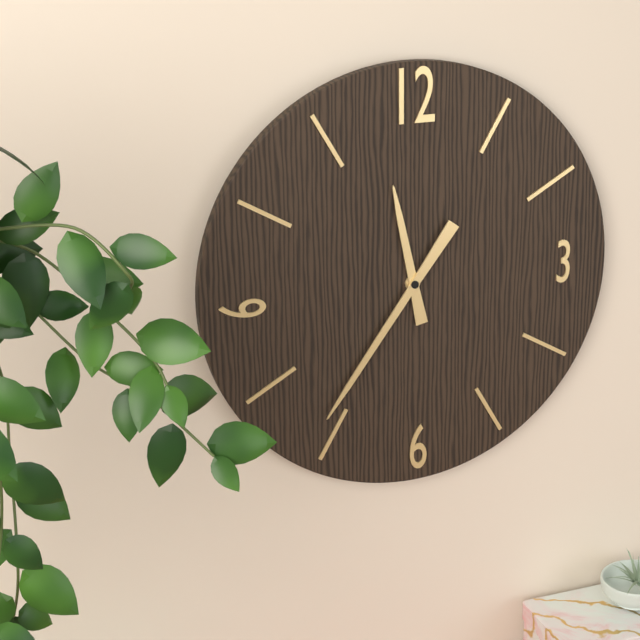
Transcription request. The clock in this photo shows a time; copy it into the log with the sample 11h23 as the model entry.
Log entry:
11h36
